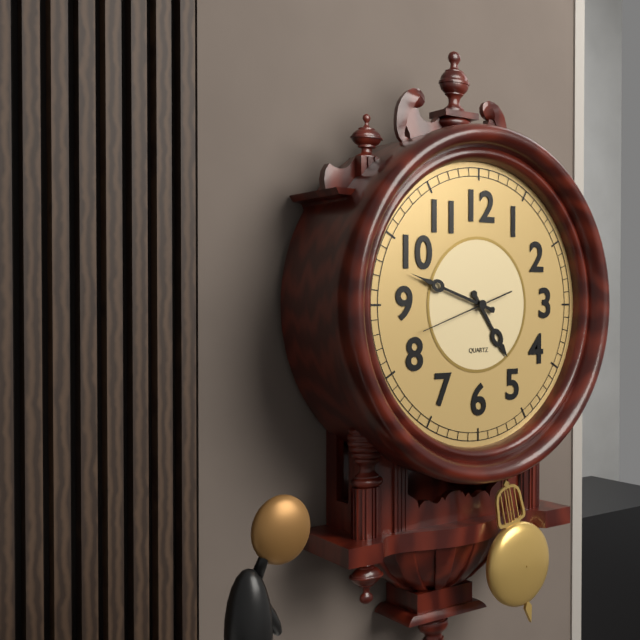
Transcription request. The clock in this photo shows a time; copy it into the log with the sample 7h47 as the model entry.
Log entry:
4h48
